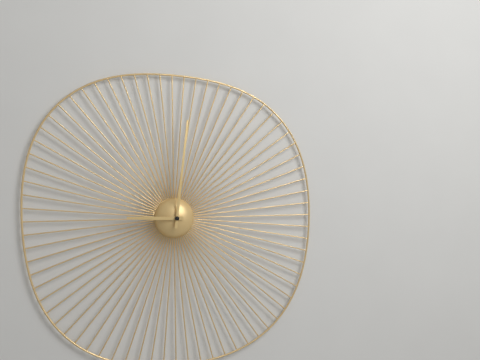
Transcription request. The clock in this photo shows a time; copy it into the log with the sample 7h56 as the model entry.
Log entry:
9h01
